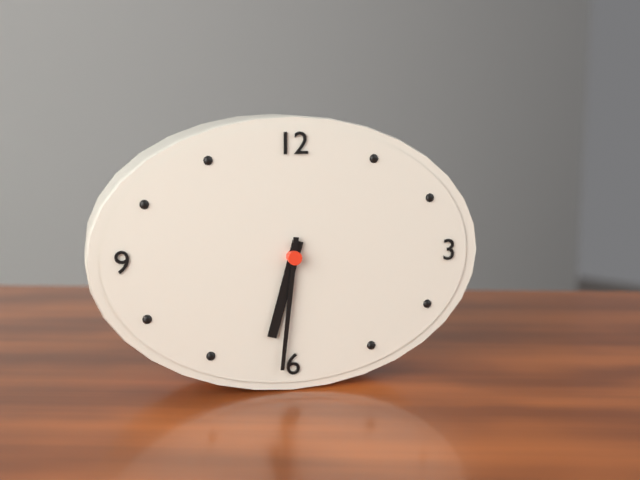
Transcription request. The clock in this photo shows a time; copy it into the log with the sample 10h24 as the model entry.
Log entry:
6h31
